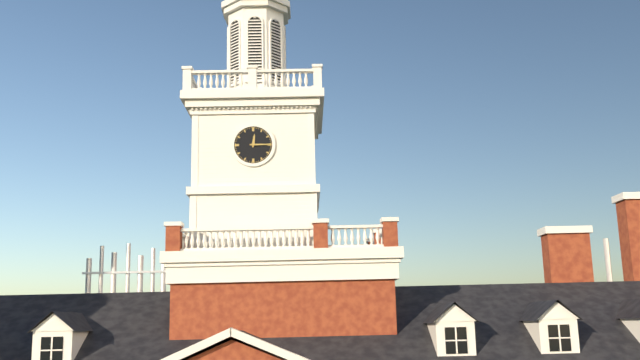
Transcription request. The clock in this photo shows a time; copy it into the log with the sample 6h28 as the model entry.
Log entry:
12h15
